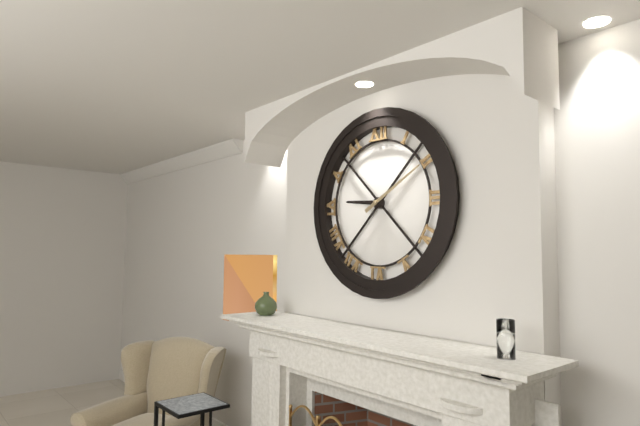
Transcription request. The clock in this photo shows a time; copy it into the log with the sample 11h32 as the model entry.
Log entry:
9h10
